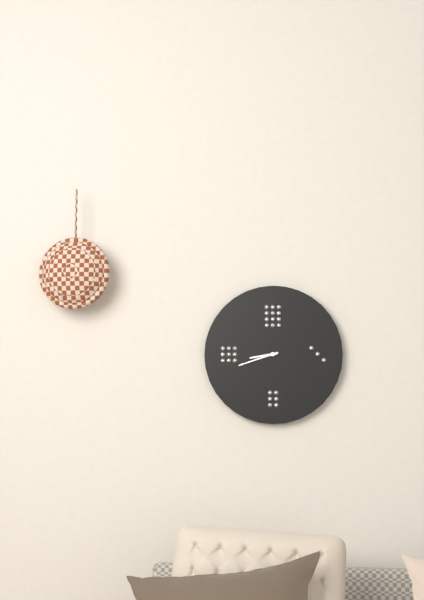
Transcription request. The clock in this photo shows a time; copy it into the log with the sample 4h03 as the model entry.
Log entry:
8h42
